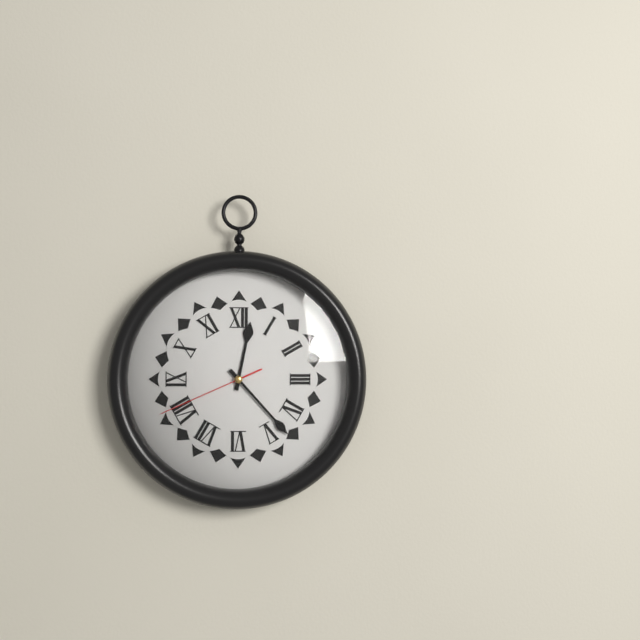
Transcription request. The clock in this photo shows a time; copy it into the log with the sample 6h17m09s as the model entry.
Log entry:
12h23m41s
